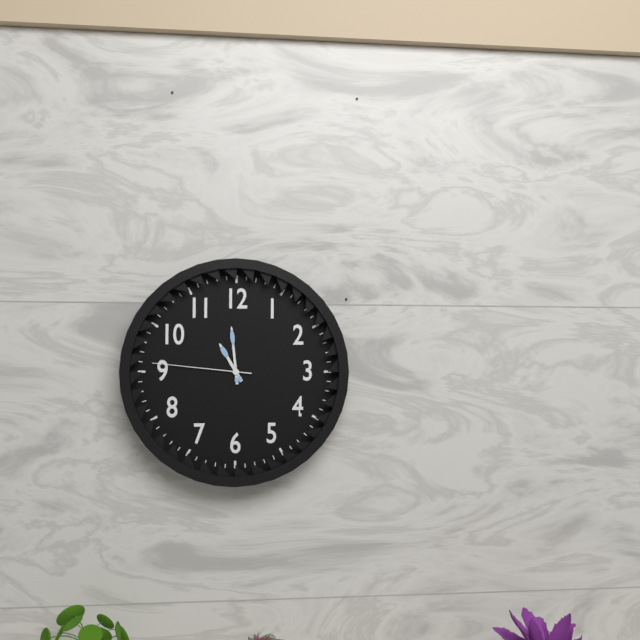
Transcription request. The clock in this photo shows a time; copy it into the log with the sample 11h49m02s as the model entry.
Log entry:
10h59m46s
